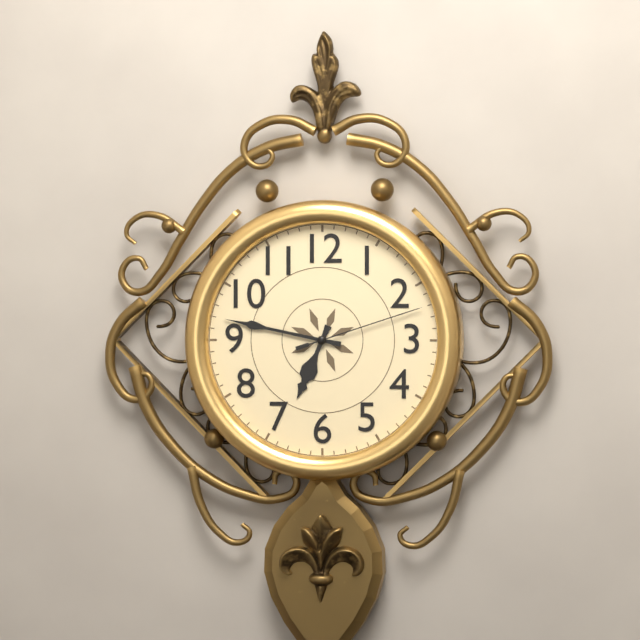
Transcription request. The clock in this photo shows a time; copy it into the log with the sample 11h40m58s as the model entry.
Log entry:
6h47m12s
